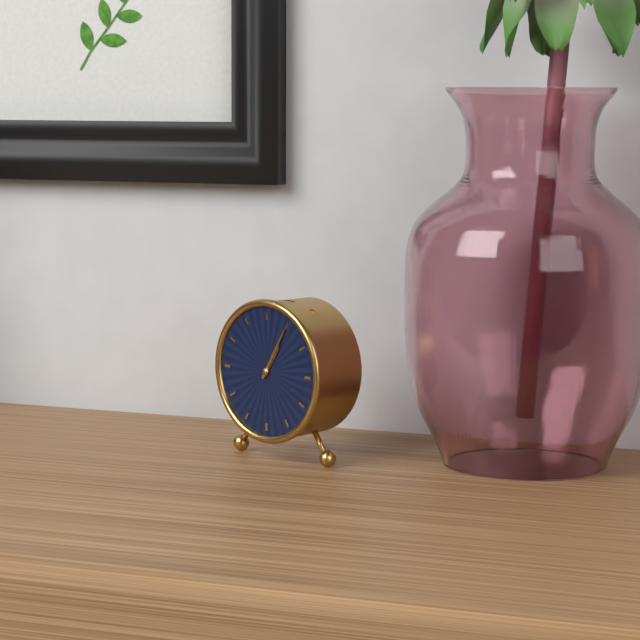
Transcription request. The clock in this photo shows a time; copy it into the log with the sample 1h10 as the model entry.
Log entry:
1h05
